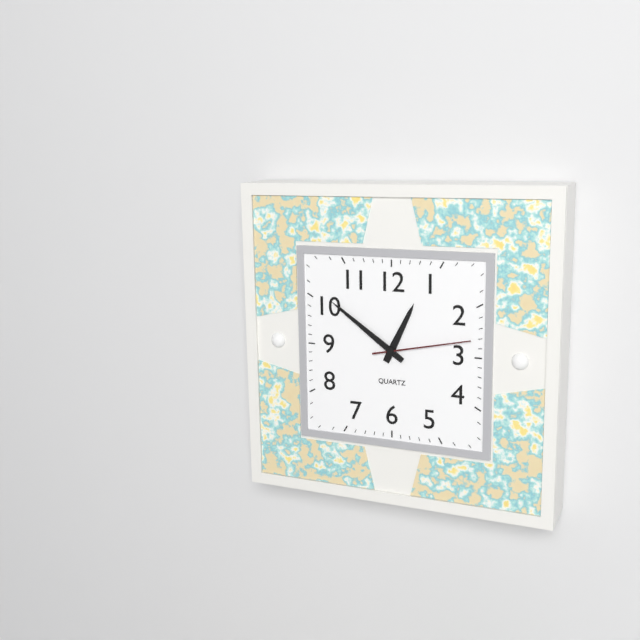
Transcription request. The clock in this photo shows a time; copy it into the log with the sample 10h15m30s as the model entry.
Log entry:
12h51m13s
